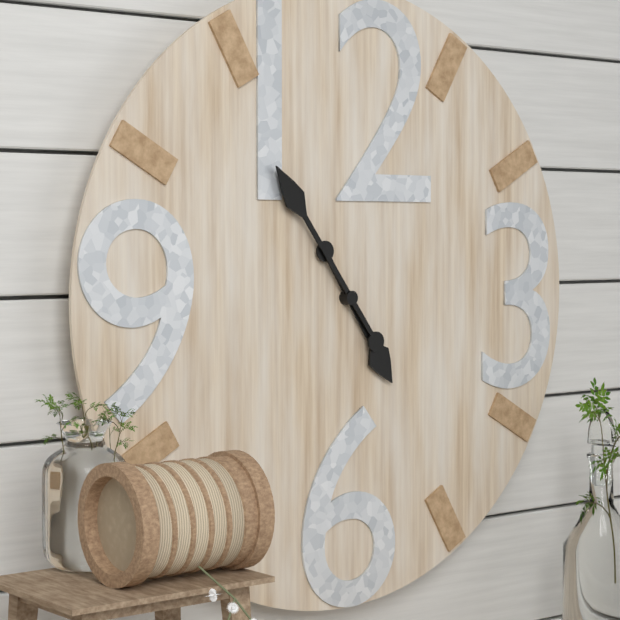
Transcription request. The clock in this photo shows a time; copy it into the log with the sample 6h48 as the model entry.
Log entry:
4h54
